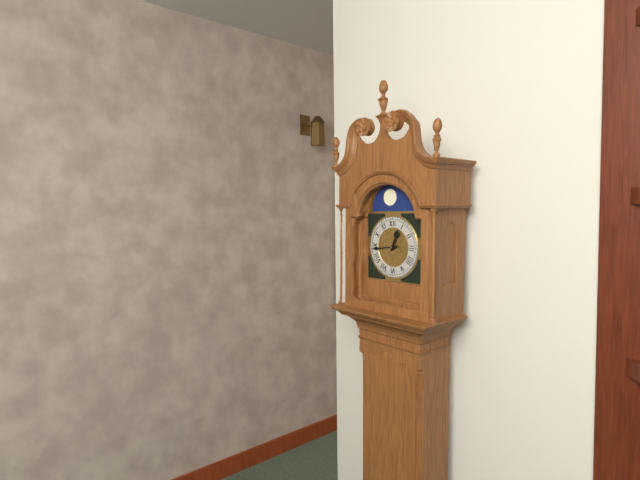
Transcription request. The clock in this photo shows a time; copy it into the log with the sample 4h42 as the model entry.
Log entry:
12h44
